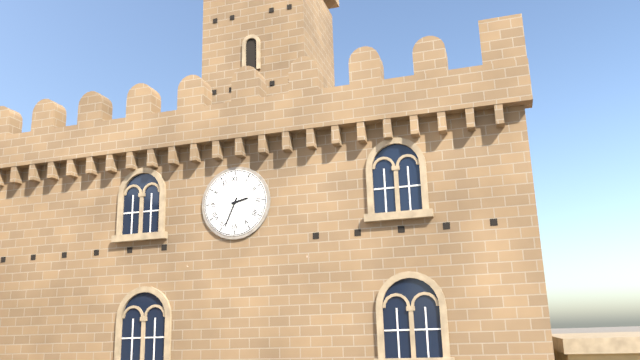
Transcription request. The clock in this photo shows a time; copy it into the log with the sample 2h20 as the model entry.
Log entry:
2h34
